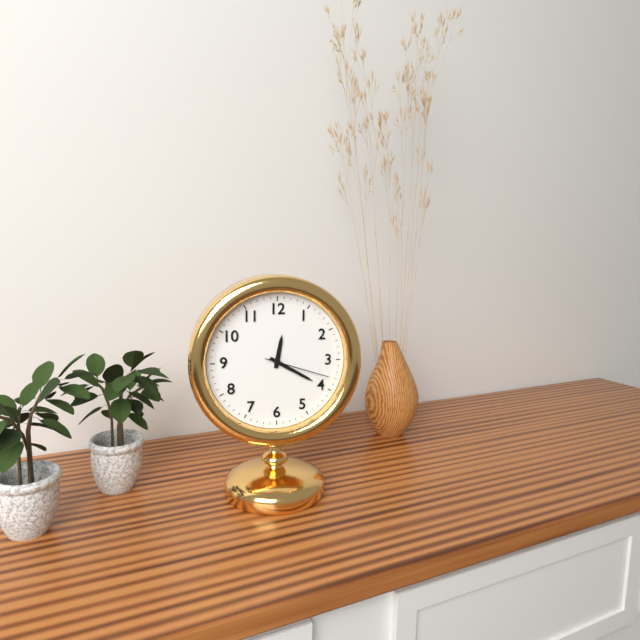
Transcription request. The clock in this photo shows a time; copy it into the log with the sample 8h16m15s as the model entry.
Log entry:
12h20m18s
